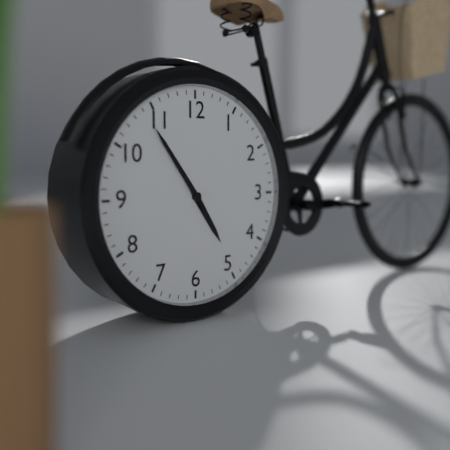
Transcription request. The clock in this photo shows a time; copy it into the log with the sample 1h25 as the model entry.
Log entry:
4h54
